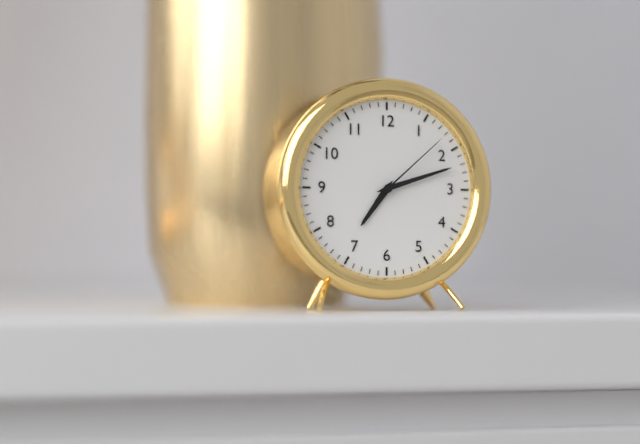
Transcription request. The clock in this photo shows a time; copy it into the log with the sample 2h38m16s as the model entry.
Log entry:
7h12m08s
